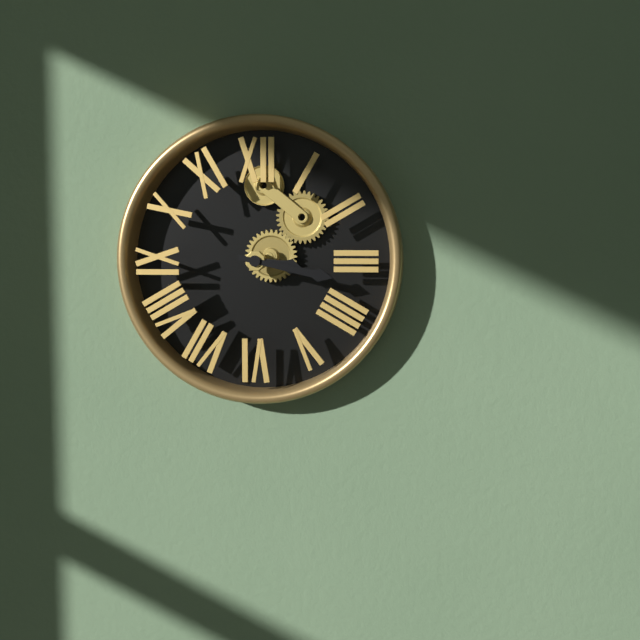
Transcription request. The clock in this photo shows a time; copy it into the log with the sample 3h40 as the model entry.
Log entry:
3h17
